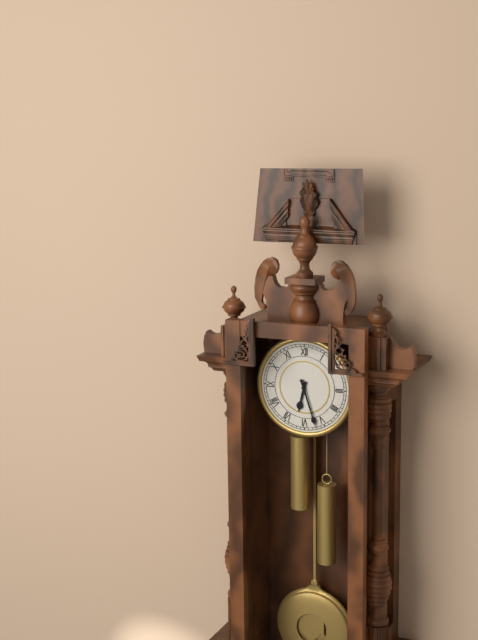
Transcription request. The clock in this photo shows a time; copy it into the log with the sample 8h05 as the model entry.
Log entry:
6h27
